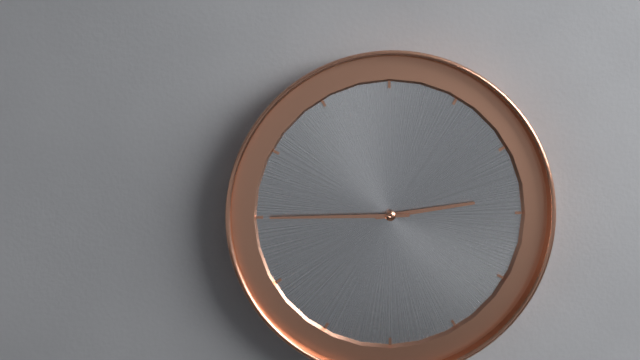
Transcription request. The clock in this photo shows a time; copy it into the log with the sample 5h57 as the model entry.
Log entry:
2h45
